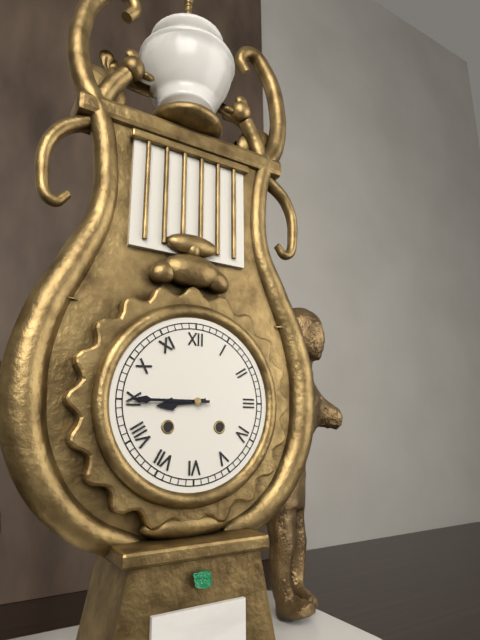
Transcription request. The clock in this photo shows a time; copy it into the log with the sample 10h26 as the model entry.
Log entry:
8h45
